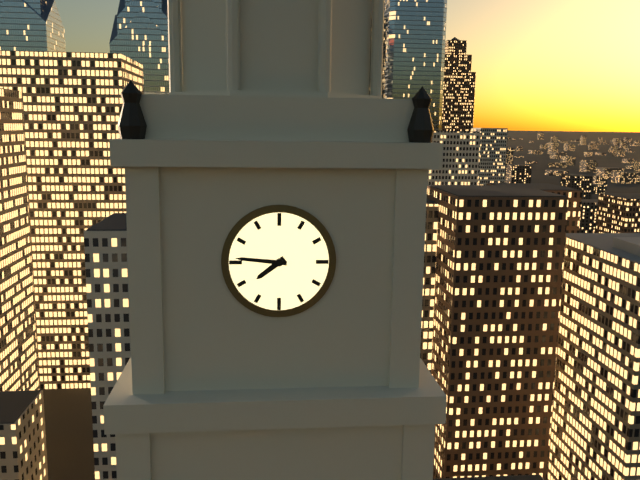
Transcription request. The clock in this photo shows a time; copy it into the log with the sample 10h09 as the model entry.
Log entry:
7h46
